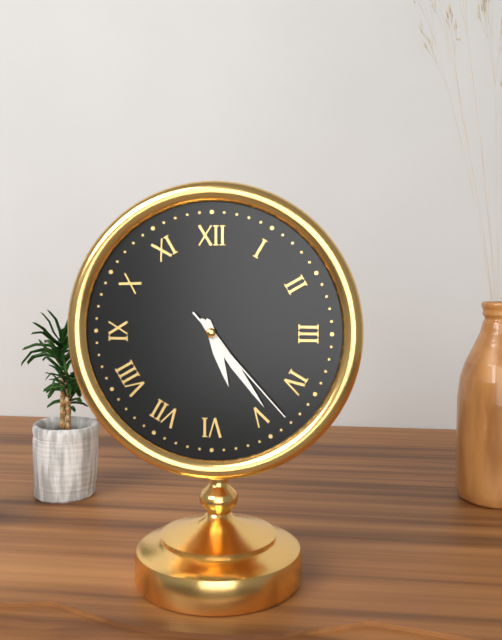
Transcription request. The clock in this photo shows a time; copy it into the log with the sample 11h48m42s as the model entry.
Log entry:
5h24m23s
